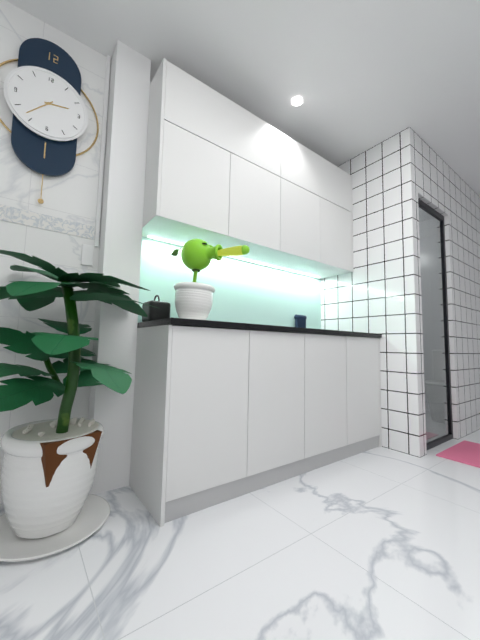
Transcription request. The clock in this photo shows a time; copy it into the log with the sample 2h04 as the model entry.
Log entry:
2h37
